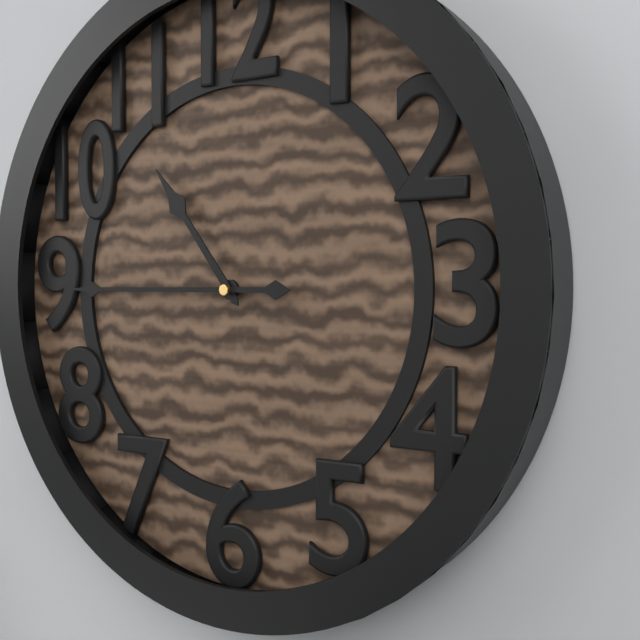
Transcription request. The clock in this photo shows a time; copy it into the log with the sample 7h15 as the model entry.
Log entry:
10h45
